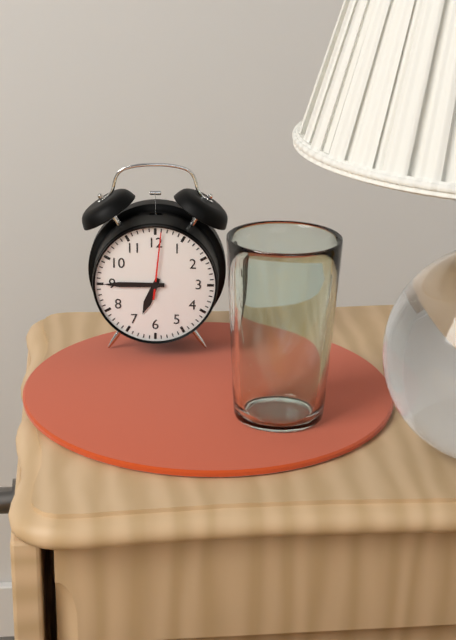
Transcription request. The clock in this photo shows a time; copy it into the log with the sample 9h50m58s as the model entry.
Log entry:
6h45m01s
